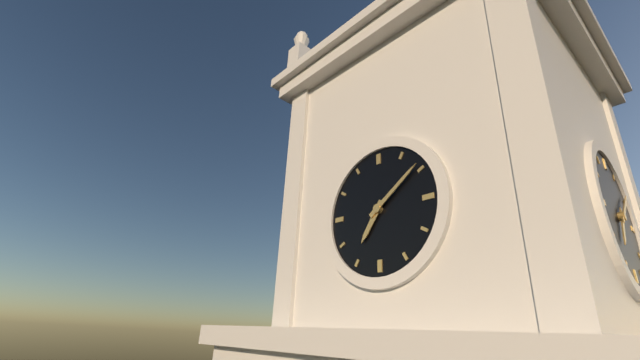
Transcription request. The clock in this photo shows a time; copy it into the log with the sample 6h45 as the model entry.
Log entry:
7h09
